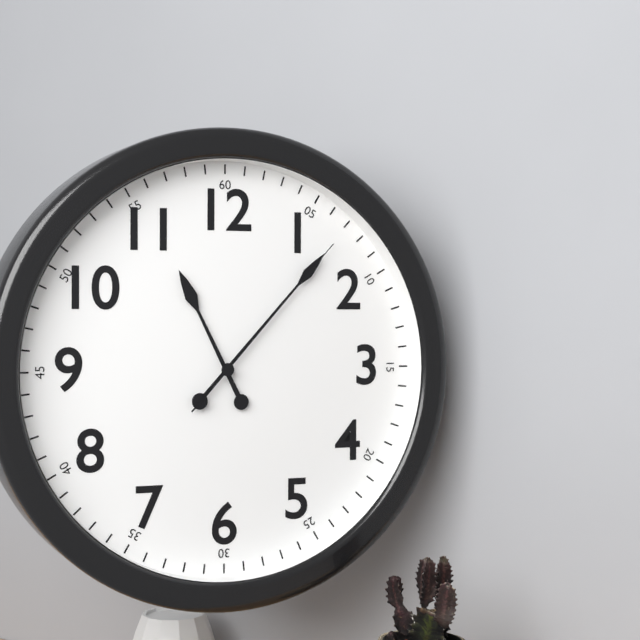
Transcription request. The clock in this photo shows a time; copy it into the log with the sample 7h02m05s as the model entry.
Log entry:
11h07m07s
